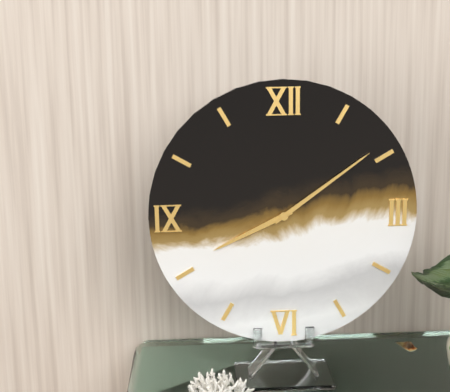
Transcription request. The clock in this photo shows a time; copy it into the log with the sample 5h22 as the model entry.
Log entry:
8h09
